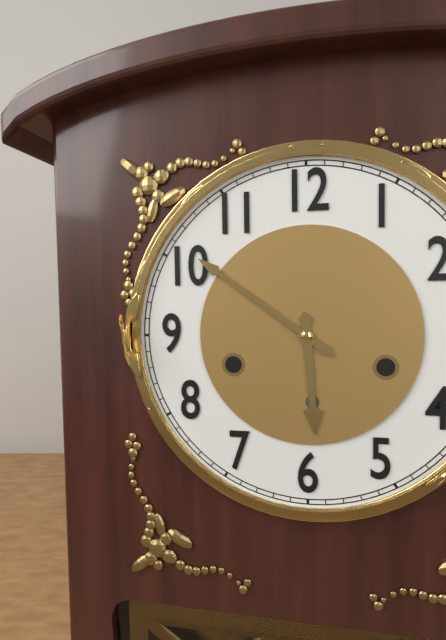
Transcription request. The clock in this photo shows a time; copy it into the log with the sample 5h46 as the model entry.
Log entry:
5h51
